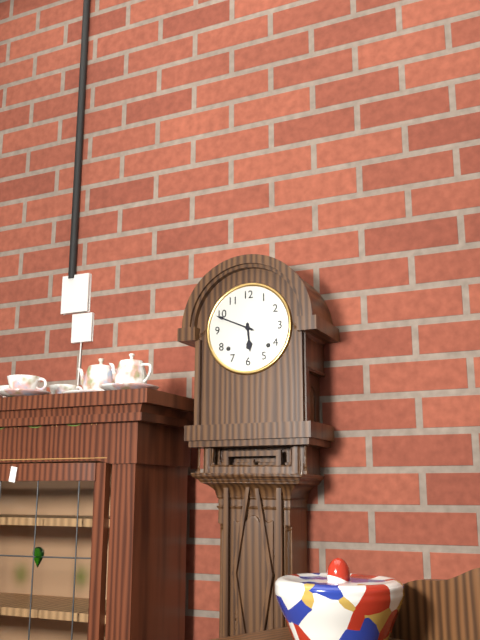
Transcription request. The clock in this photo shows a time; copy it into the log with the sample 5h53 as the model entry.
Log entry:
5h49
